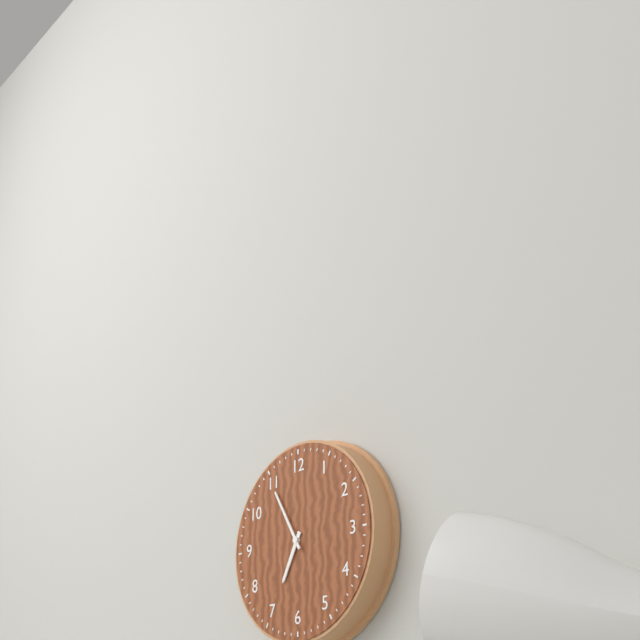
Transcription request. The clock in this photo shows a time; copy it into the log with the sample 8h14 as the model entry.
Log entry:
6h55
